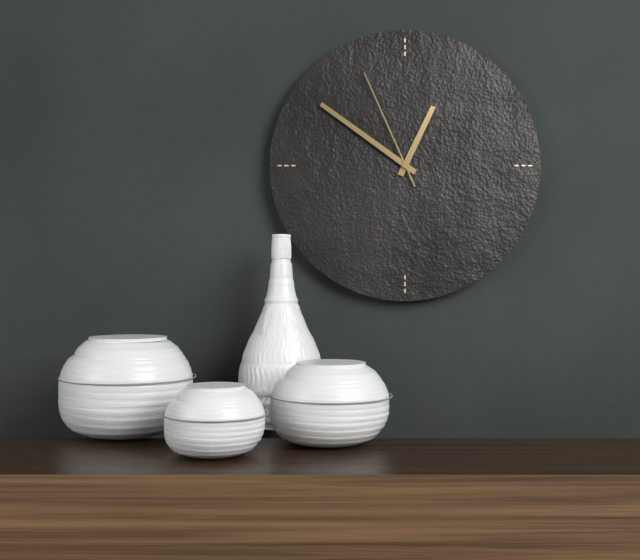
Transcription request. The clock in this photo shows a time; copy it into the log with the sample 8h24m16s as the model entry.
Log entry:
12h51m56s
